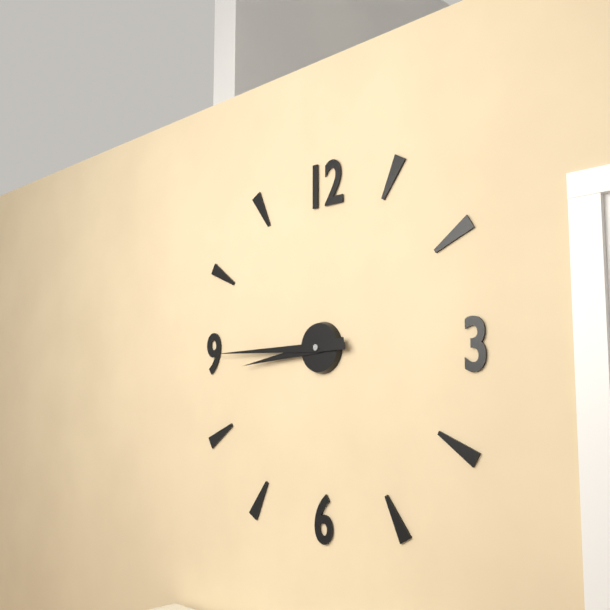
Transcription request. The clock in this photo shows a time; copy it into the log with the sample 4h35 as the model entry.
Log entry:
8h45
